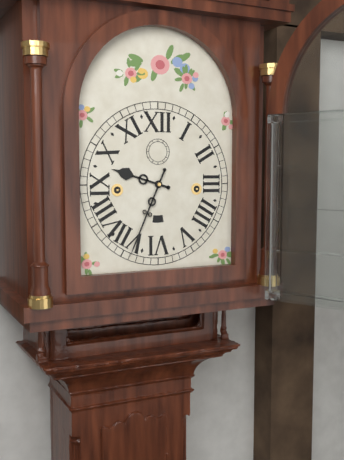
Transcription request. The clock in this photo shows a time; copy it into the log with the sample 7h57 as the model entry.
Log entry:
9h34
